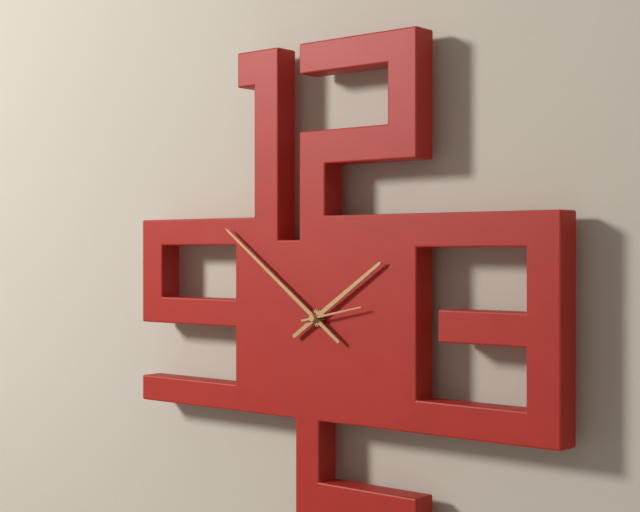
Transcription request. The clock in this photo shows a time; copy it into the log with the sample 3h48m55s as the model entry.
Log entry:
1h51m13s
